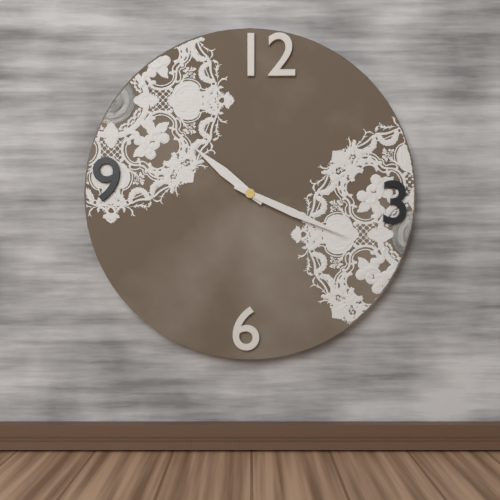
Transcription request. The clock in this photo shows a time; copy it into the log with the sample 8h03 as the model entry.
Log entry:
10h19
